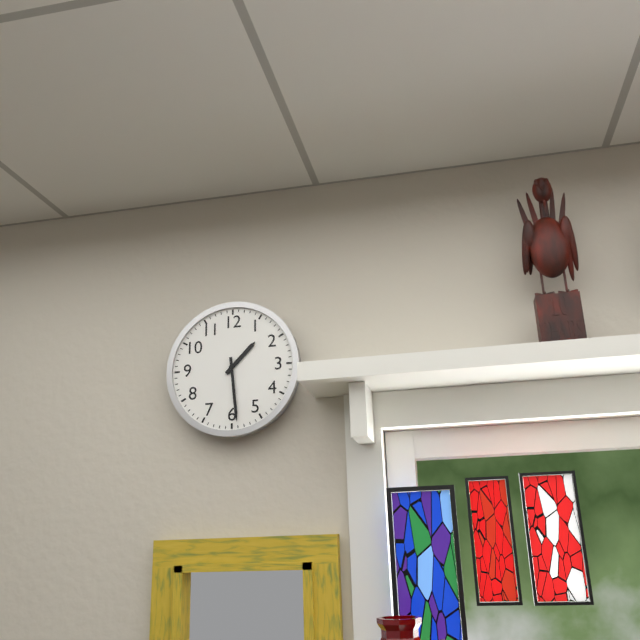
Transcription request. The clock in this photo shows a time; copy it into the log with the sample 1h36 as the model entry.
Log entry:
1h29
